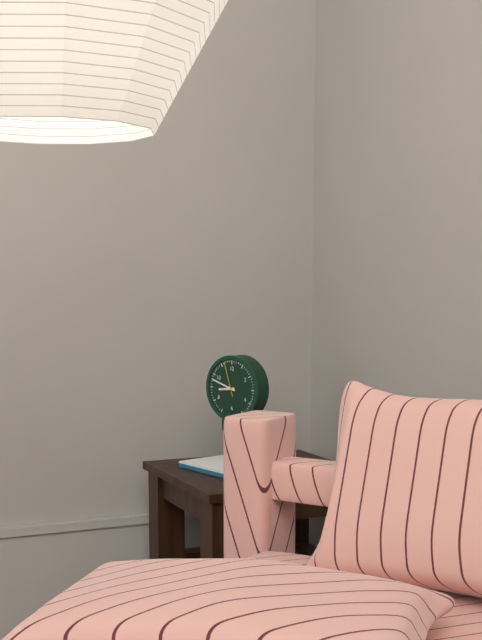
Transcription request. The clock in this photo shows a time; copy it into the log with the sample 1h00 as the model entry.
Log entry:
8h48
